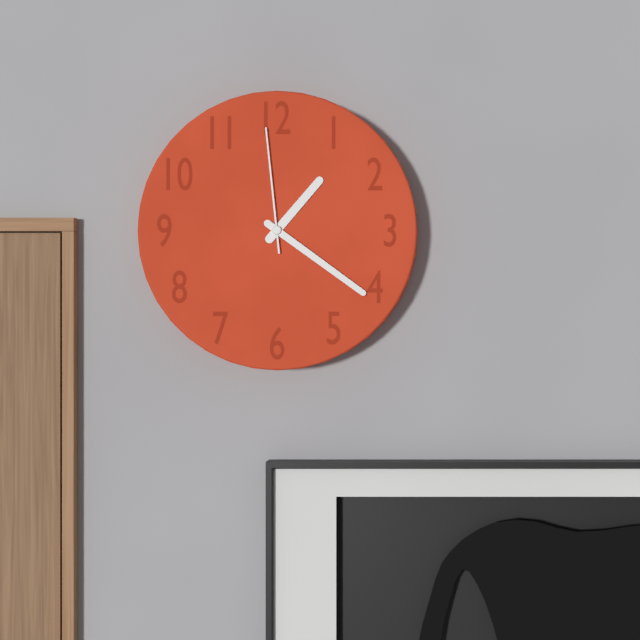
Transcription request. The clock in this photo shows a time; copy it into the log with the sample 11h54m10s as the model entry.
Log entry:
1h21m59s
